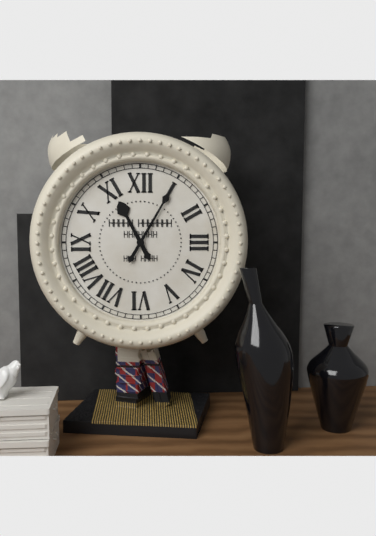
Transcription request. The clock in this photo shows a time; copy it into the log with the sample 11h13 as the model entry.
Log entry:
11h05
